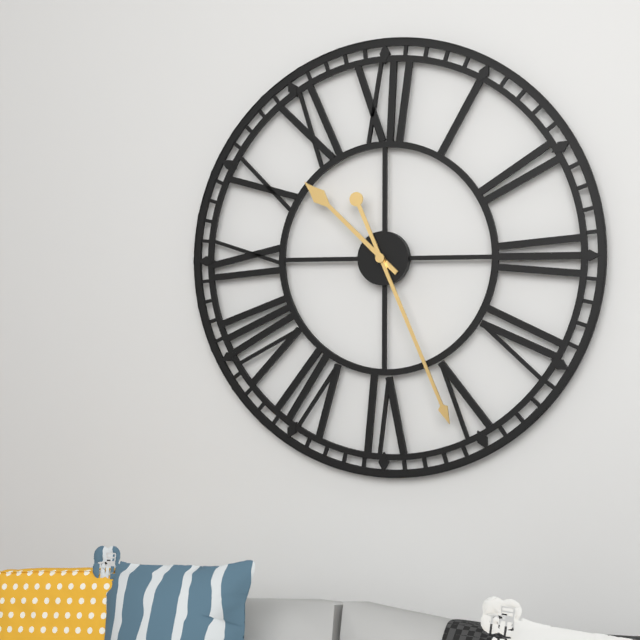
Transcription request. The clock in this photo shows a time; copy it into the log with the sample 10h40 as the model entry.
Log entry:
10h26
